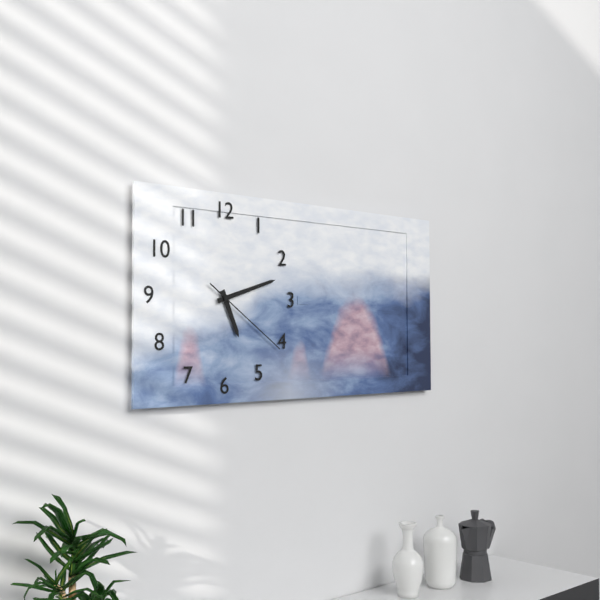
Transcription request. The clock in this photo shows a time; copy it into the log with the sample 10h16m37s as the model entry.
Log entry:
5h12m21s
